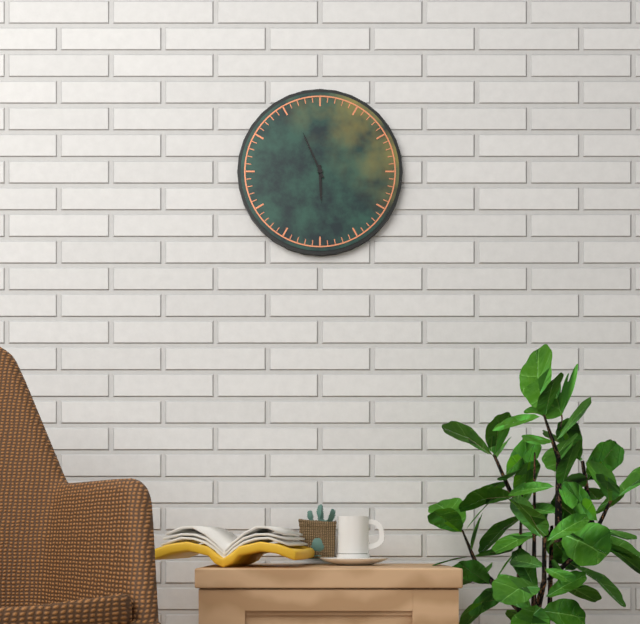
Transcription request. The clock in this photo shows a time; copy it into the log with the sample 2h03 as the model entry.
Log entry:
5h56
